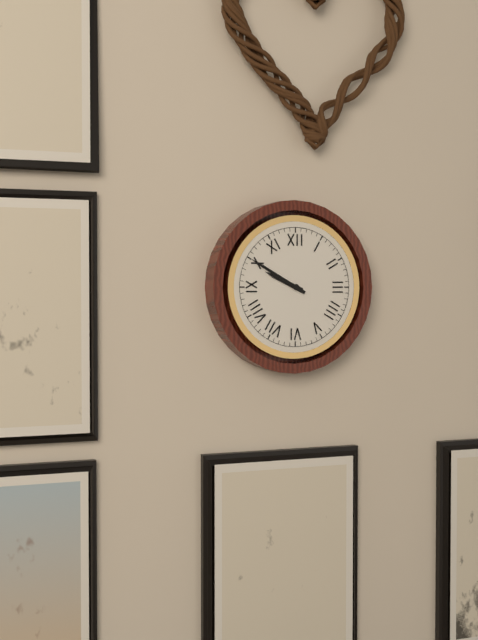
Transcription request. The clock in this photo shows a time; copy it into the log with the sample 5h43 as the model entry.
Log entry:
9h50
